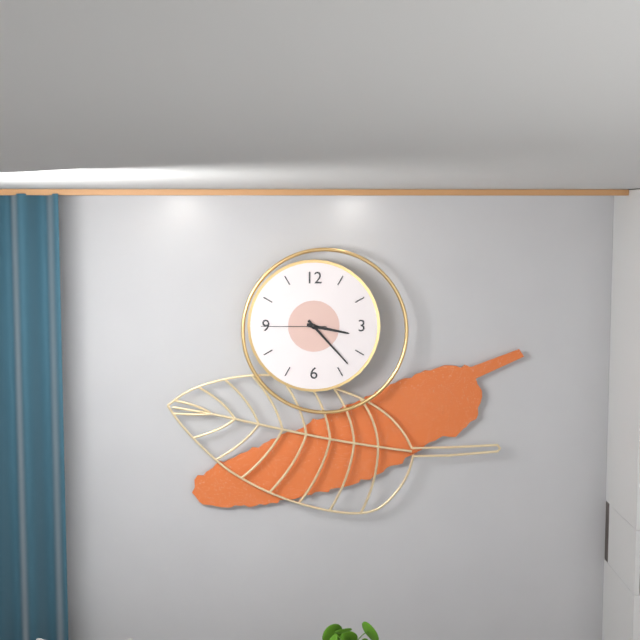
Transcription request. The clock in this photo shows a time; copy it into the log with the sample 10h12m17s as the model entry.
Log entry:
3h23m45s
